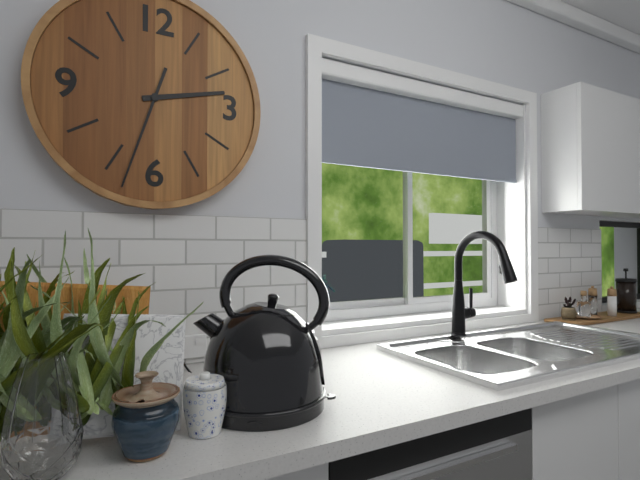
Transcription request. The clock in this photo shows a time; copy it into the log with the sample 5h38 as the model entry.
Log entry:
2h33
